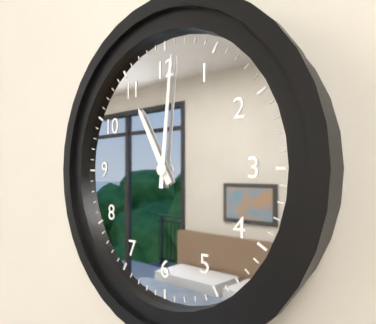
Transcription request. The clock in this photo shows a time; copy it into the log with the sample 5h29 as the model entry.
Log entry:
11h01
